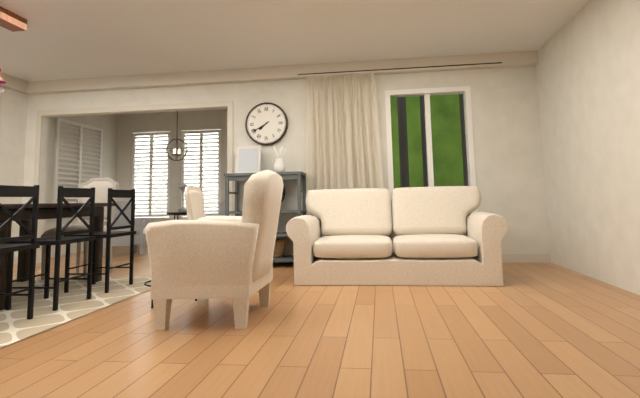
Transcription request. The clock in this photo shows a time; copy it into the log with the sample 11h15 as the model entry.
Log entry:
7h40
